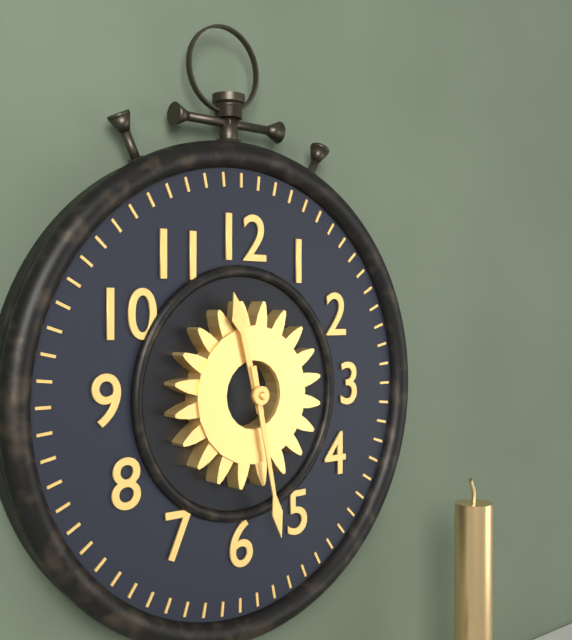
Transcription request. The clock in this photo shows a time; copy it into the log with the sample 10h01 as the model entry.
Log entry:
11h28
